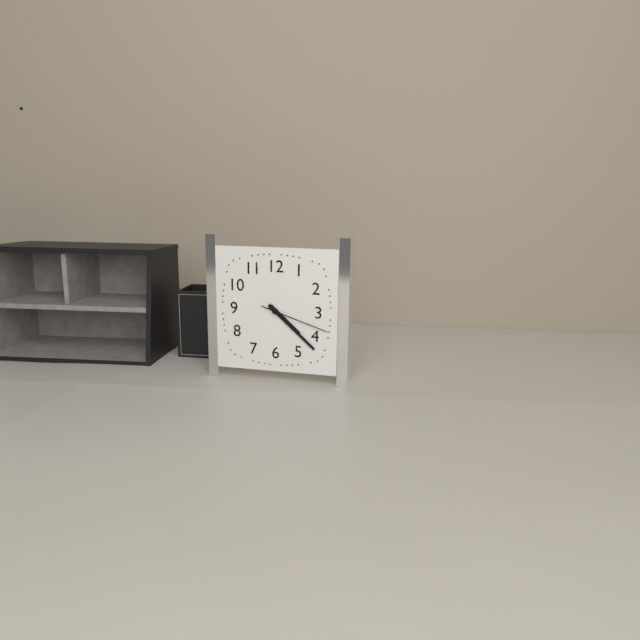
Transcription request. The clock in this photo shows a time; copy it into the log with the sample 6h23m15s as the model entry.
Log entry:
4h22m18s
